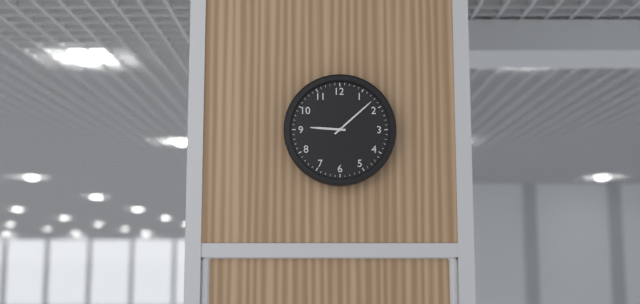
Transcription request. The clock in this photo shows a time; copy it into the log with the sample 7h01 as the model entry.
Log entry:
9h08
